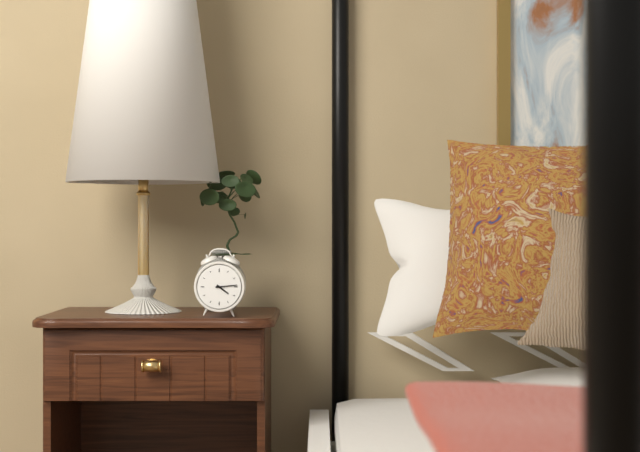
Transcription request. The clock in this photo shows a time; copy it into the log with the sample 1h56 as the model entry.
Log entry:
4h14
